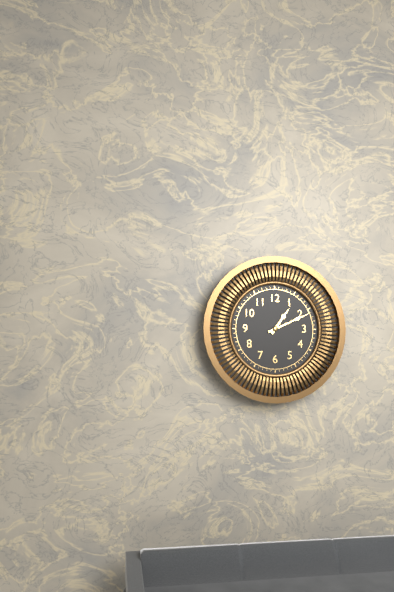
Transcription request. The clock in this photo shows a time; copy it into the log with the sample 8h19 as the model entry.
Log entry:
1h11
